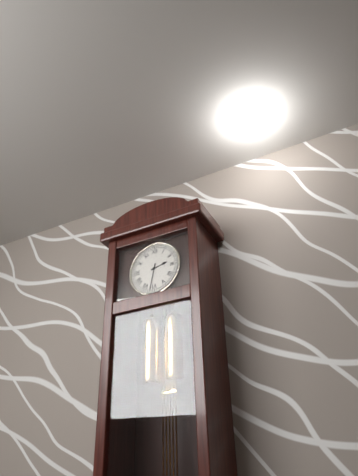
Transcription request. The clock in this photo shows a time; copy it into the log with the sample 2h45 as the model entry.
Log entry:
2h32
